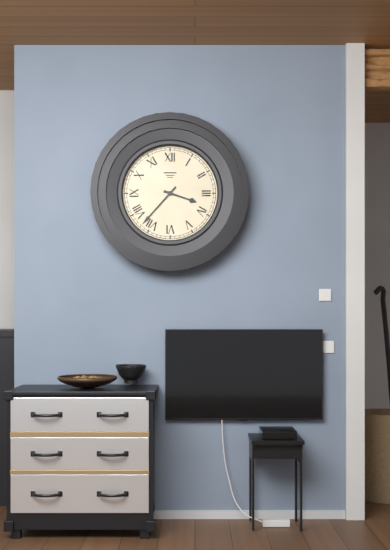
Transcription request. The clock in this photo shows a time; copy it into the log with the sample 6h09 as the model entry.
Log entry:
3h37
